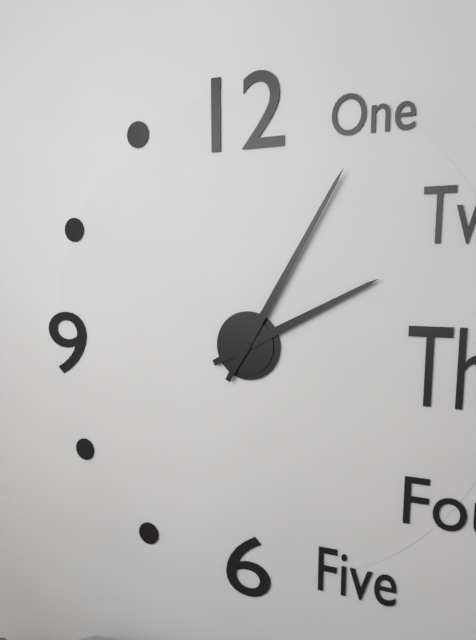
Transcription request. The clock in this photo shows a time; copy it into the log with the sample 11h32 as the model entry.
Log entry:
2h05
